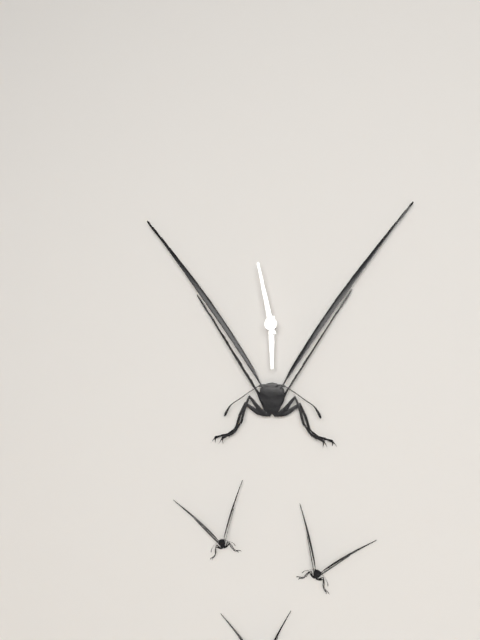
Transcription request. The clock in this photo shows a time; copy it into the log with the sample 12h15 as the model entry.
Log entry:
5h58
